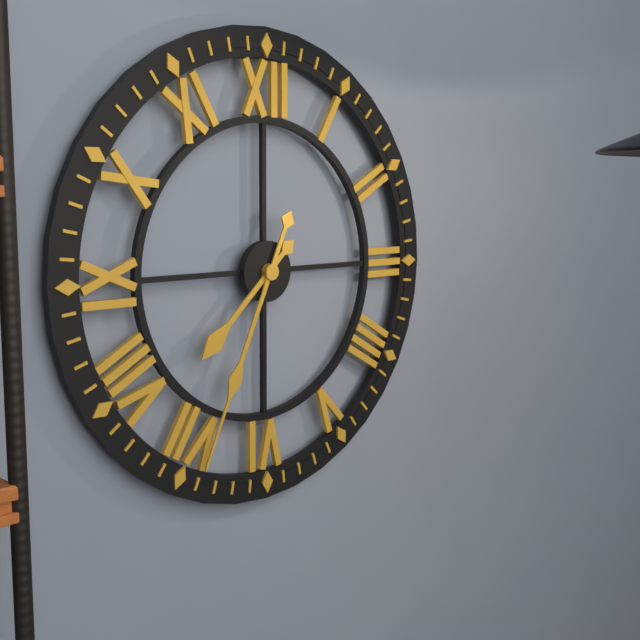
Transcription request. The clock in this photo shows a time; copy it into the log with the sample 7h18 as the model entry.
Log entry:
7h34
